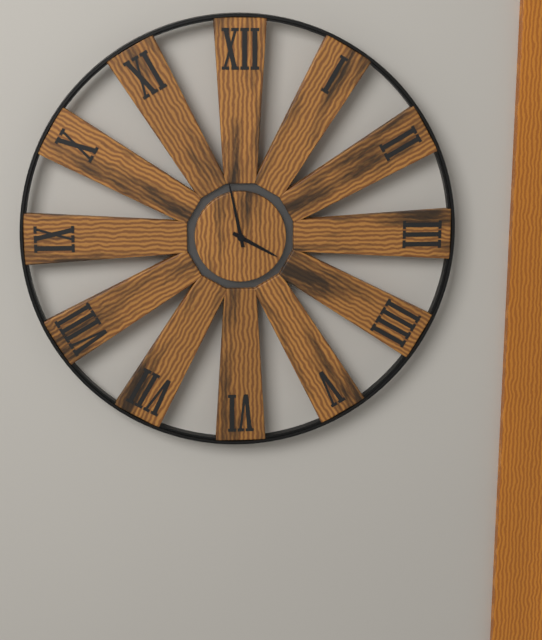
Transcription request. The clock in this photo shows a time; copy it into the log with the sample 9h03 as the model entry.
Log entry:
3h58
